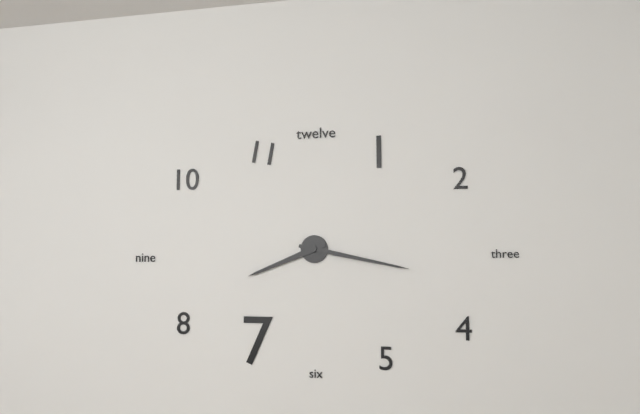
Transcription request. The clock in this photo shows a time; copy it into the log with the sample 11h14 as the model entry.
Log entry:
8h17
